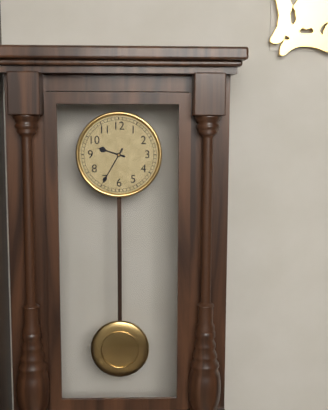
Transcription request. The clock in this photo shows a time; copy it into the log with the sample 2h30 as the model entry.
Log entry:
9h35
